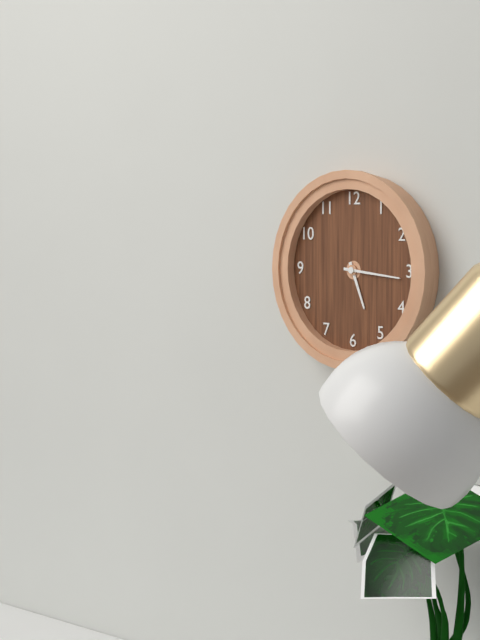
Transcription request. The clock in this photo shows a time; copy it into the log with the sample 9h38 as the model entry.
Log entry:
5h16
